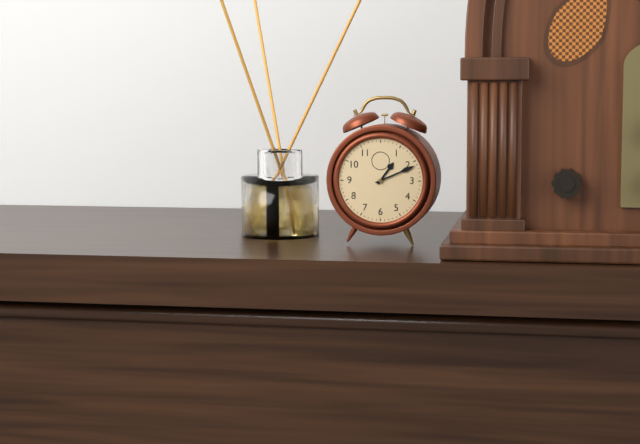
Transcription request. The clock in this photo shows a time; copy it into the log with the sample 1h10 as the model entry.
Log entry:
1h11
